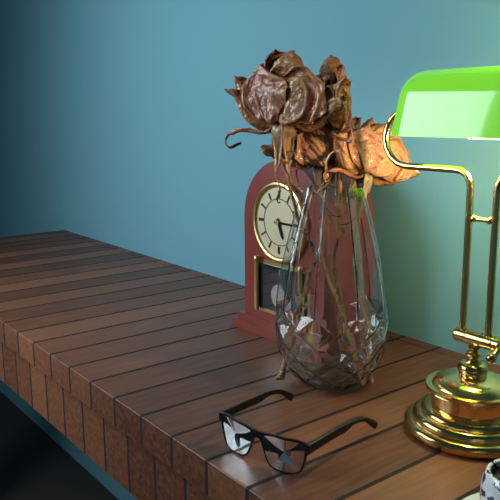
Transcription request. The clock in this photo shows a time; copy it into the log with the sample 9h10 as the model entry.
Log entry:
5h15
